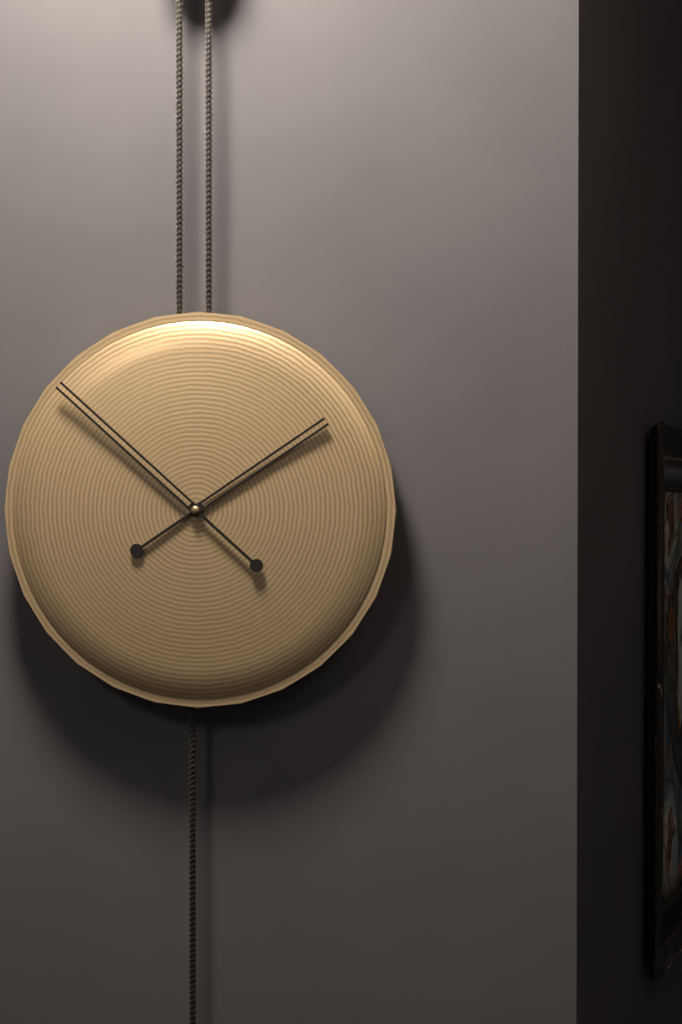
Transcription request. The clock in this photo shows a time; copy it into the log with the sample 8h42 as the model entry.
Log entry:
1h52
